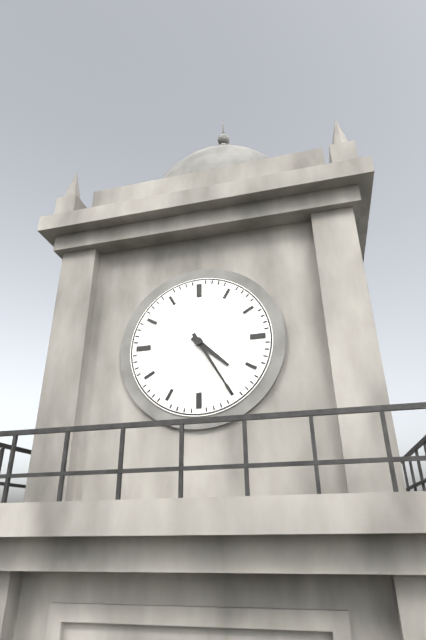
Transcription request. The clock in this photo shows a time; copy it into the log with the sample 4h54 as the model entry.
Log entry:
4h25
